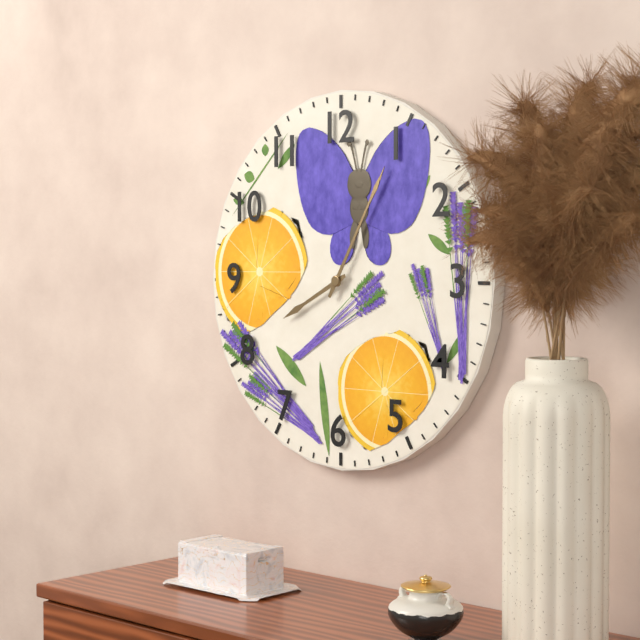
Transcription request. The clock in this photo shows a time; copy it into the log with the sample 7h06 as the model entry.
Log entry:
8h05
